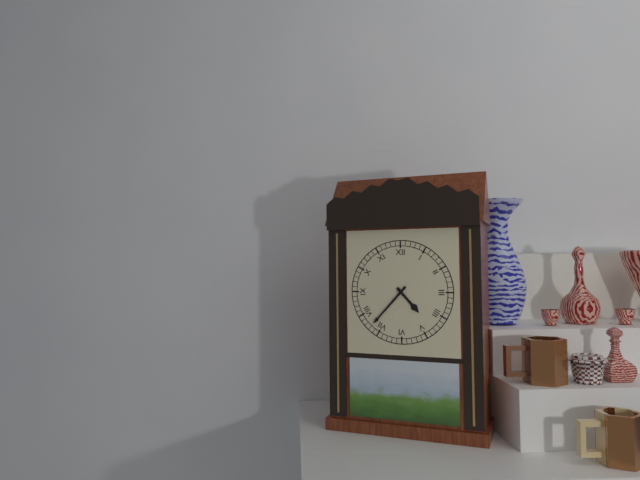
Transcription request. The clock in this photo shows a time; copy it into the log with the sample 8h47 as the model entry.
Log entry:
4h37
